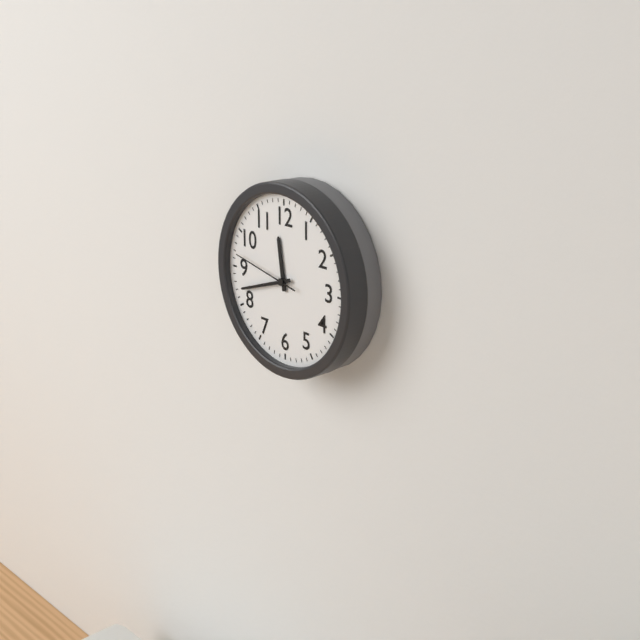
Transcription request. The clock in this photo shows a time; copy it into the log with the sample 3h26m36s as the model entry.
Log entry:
11h42m47s
